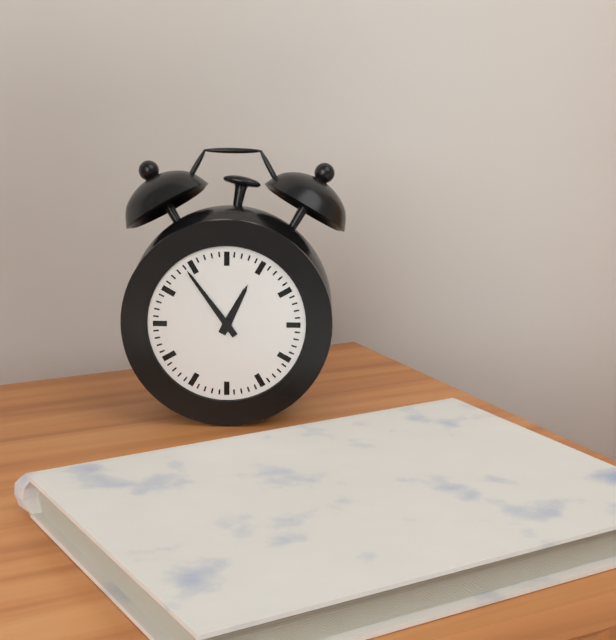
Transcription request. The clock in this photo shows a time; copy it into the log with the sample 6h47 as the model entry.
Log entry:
12h54
